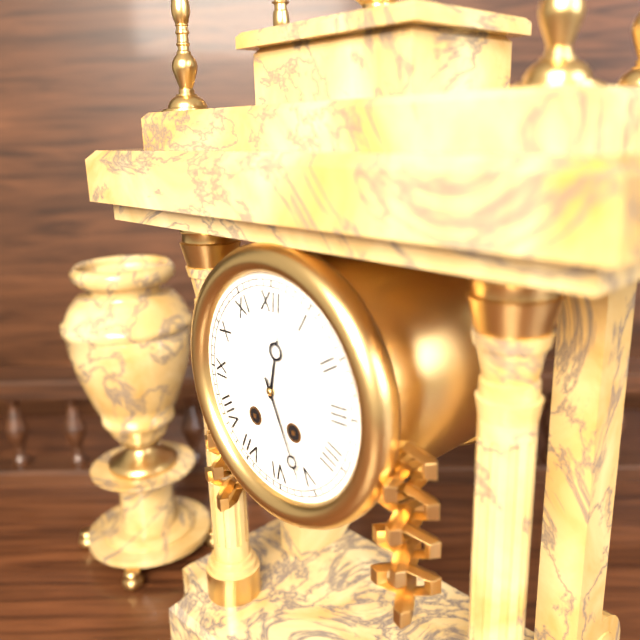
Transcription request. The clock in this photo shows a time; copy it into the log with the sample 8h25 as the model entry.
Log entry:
12h26
